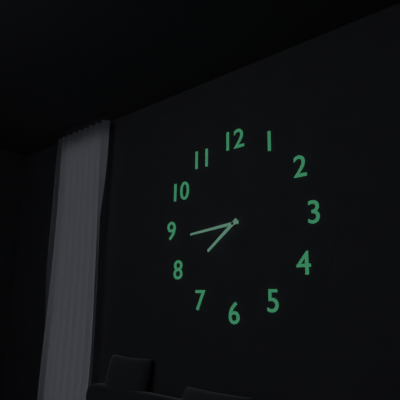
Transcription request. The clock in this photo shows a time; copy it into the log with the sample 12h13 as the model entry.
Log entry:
7h44
